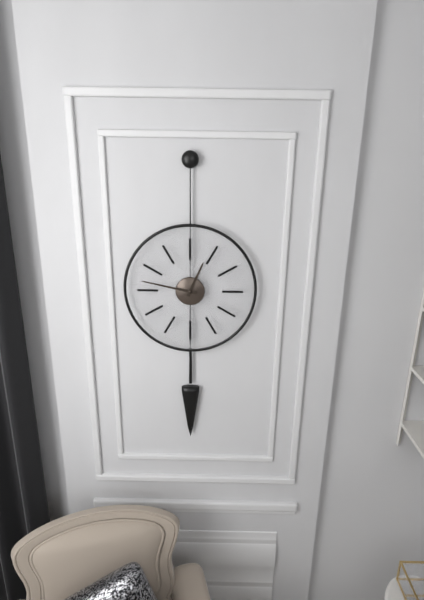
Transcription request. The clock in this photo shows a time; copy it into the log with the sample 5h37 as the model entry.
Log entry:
12h47
